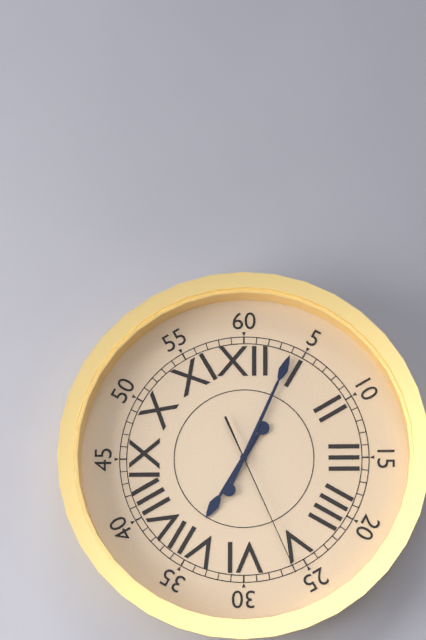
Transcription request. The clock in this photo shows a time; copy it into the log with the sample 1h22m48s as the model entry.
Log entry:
7h04m26s
